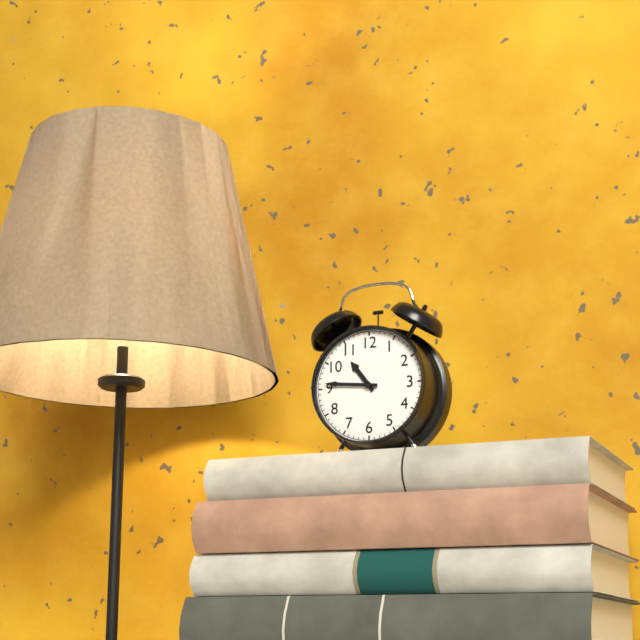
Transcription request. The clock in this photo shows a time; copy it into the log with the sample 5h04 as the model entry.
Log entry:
10h46
